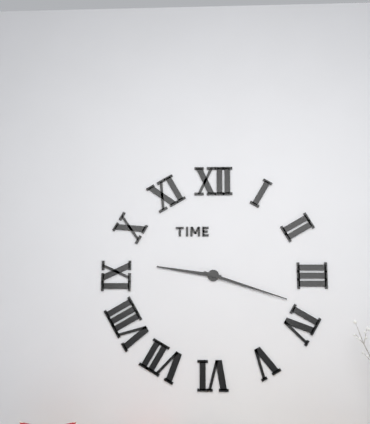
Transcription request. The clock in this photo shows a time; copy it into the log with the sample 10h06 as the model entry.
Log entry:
9h18
